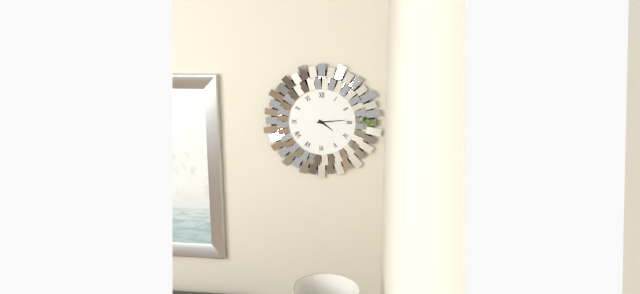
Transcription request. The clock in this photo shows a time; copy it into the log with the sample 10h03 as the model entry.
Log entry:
4h14
